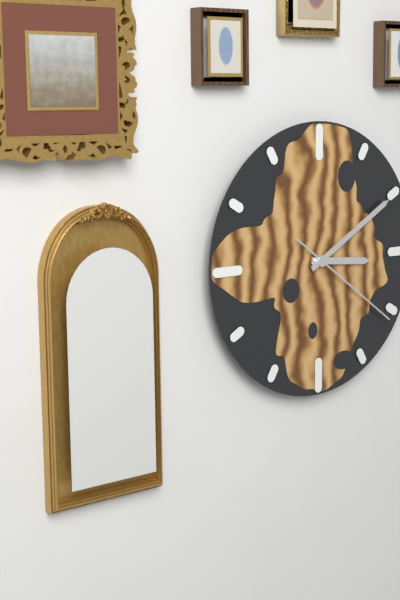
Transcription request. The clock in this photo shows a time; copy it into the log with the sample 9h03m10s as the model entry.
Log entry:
3h10m21s
